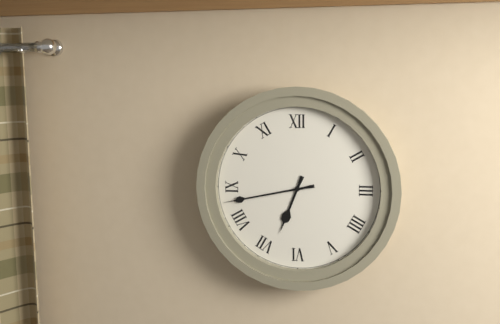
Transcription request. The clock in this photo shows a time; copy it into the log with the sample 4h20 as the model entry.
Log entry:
6h43
